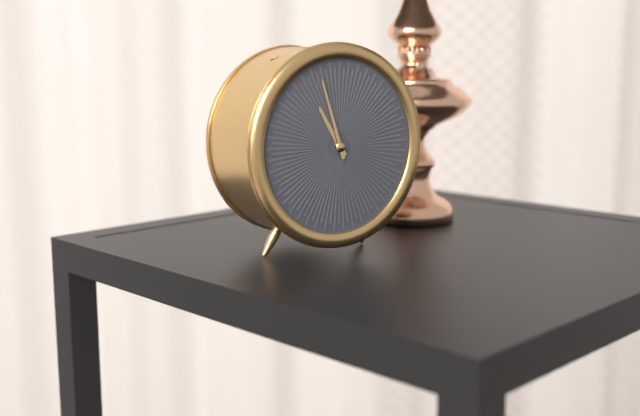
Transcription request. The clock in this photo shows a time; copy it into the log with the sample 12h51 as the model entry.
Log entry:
10h57
